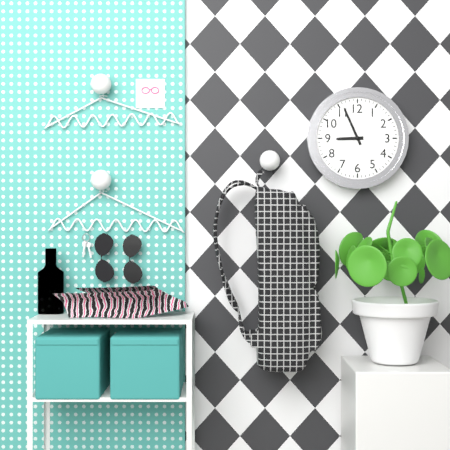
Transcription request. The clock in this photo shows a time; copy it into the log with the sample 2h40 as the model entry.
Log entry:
8h56
